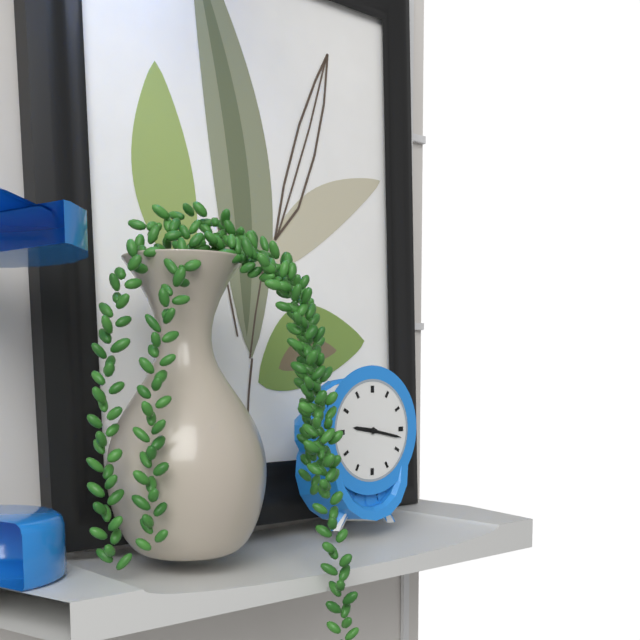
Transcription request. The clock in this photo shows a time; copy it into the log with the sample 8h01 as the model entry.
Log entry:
9h17
